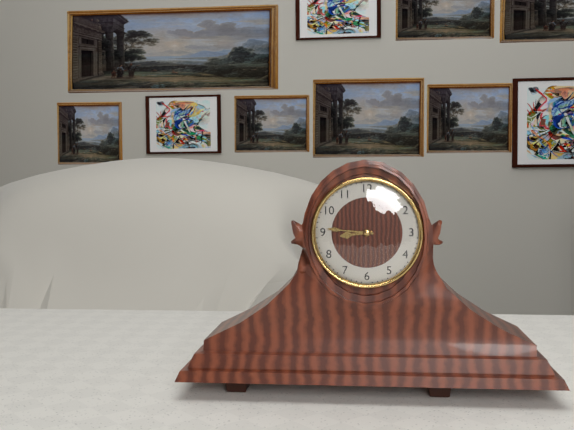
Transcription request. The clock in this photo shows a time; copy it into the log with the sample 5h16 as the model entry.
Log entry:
8h46
